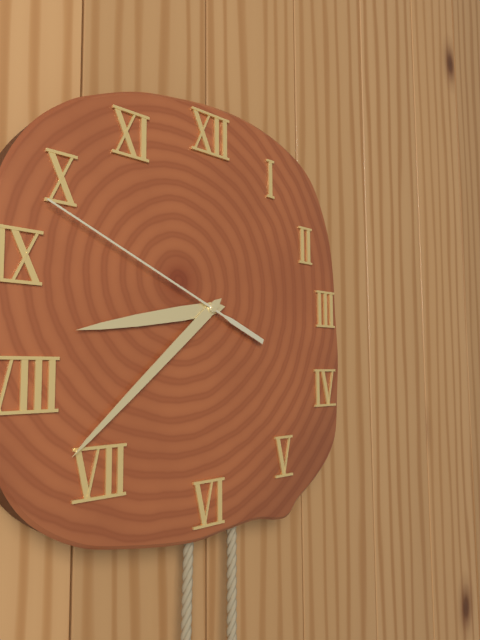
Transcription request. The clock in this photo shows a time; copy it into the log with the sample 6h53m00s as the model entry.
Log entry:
8h38m49s
